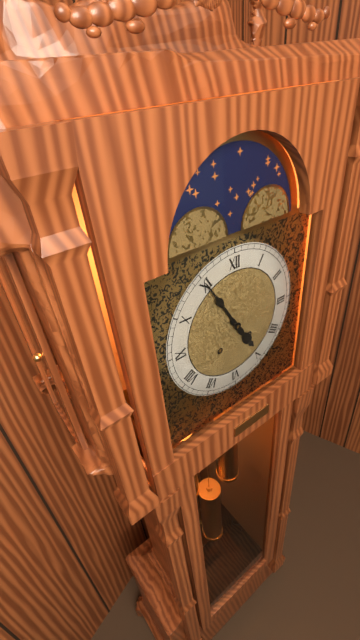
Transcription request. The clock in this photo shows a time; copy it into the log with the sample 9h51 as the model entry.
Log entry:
4h55
